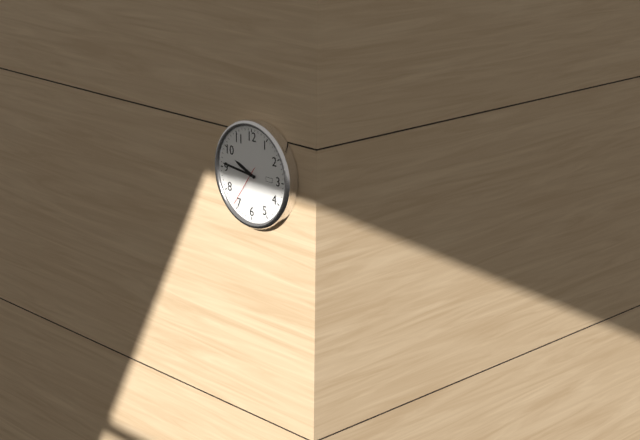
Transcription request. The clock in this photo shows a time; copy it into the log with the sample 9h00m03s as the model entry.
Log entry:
9h46m36s
